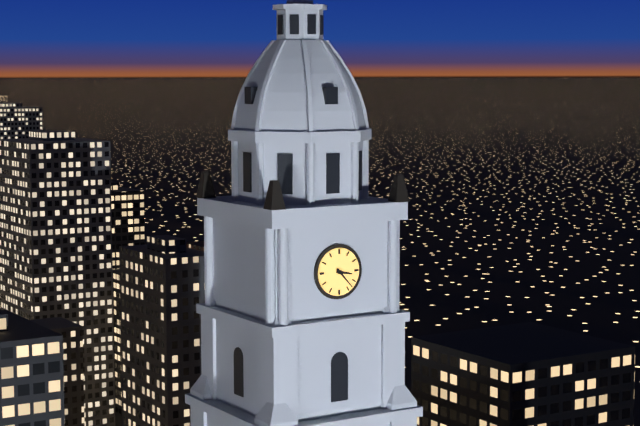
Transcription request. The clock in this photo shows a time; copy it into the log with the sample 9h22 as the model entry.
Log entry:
3h23
